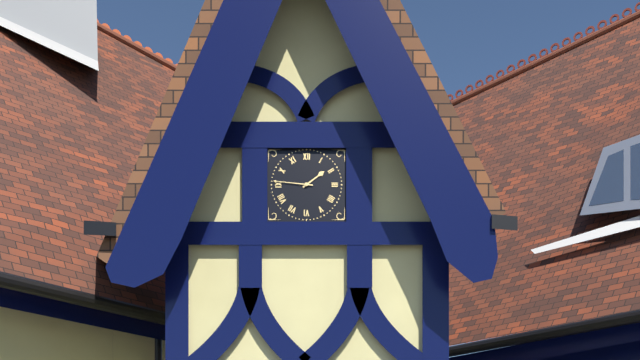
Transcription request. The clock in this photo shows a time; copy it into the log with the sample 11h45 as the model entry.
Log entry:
1h46
